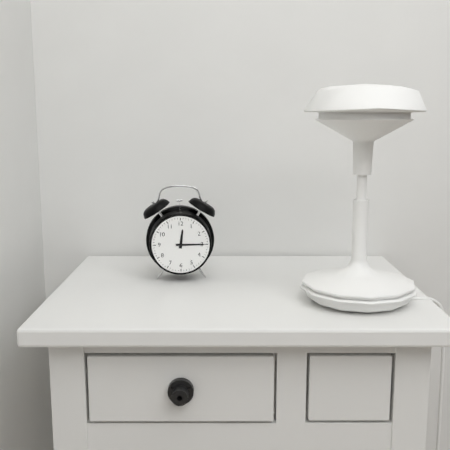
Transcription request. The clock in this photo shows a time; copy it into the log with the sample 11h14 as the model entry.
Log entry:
12h15
